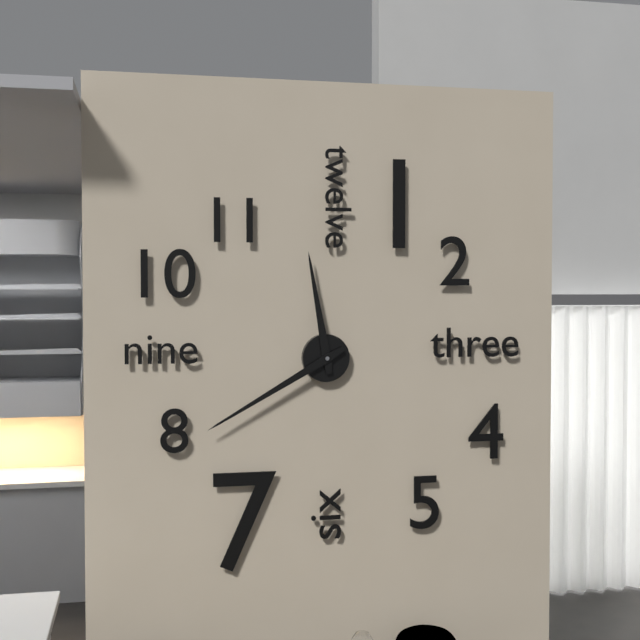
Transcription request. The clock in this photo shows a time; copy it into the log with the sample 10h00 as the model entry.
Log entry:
11h40
